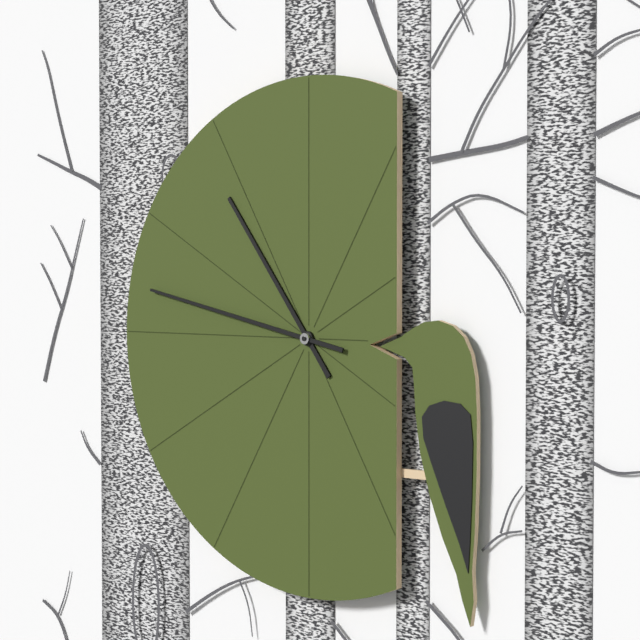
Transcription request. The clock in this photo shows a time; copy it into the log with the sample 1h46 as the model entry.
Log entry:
10h47
